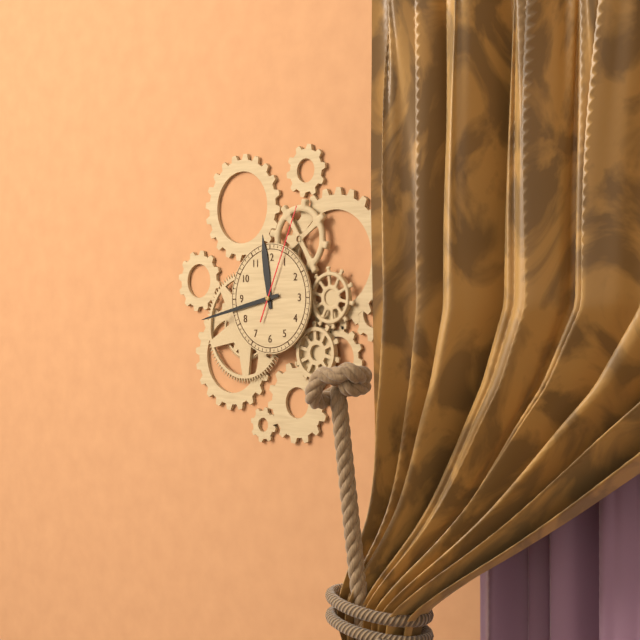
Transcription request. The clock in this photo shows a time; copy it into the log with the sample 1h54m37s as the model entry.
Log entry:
11h43m04s
